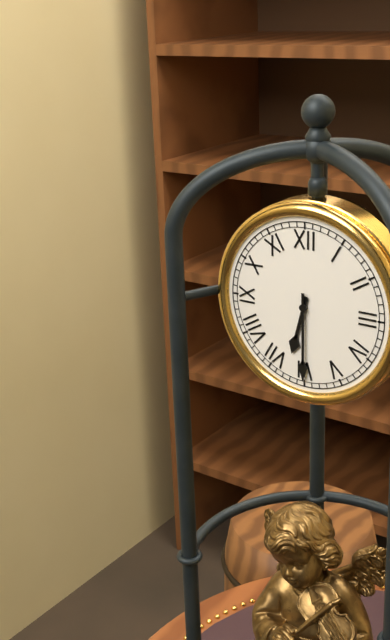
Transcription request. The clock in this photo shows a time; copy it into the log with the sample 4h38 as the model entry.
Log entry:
6h30
